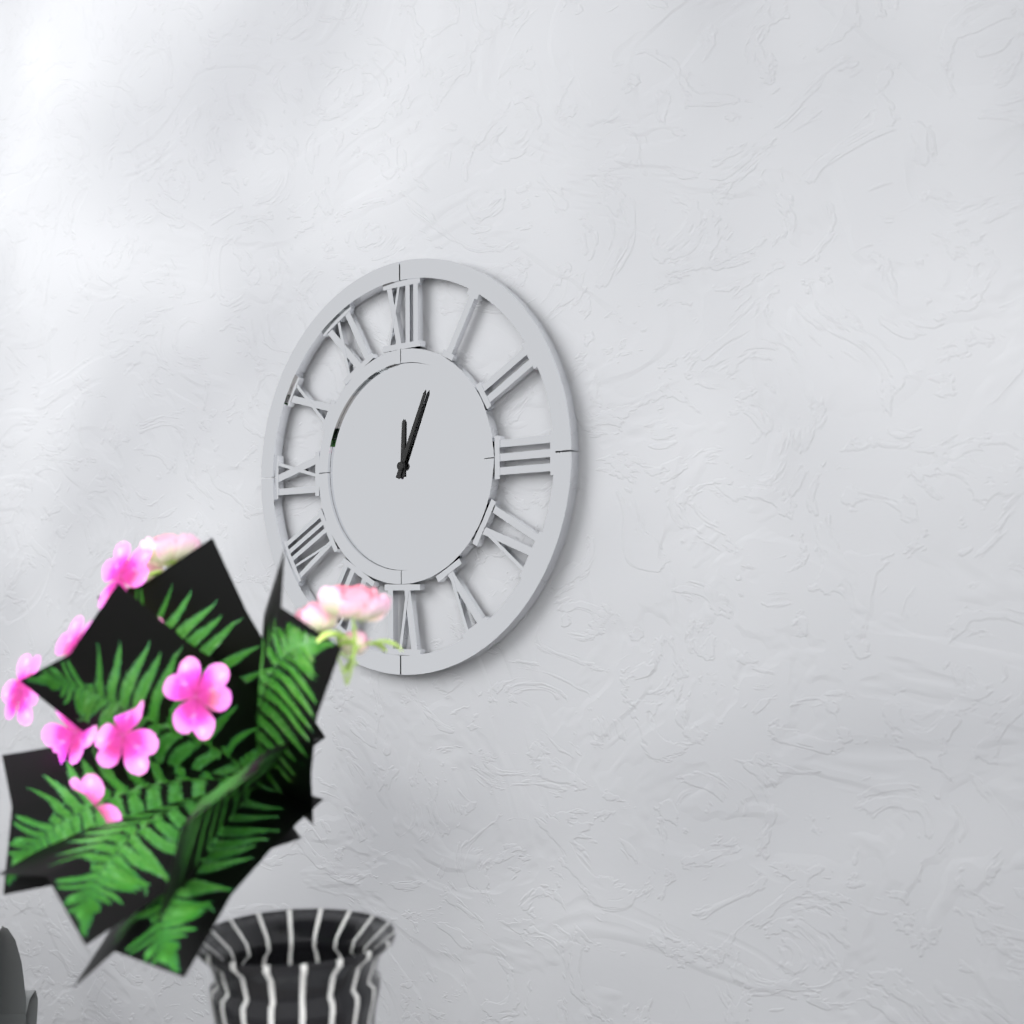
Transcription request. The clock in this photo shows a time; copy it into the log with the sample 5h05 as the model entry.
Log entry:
12h04
